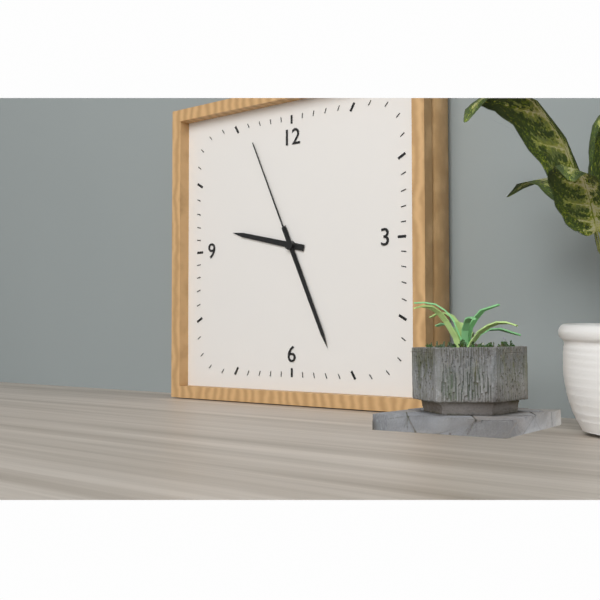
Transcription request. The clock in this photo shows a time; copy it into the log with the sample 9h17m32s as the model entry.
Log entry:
9h26m56s
